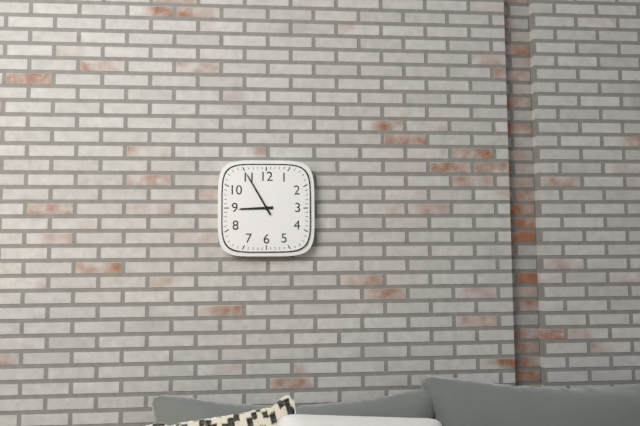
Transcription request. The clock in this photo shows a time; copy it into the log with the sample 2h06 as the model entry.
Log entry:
8h55
